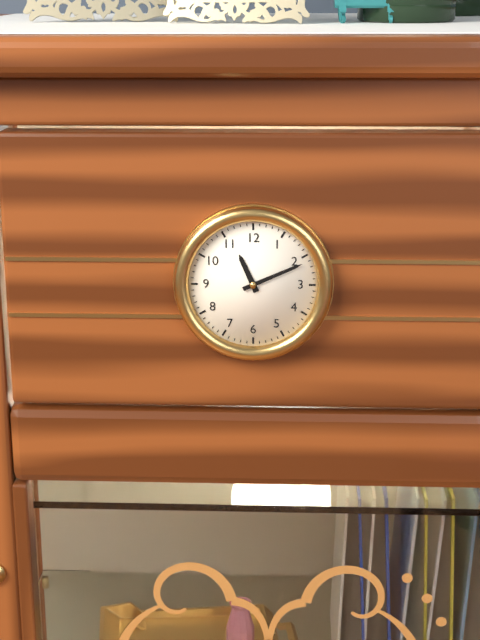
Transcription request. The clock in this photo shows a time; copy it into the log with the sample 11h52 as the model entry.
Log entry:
11h11
